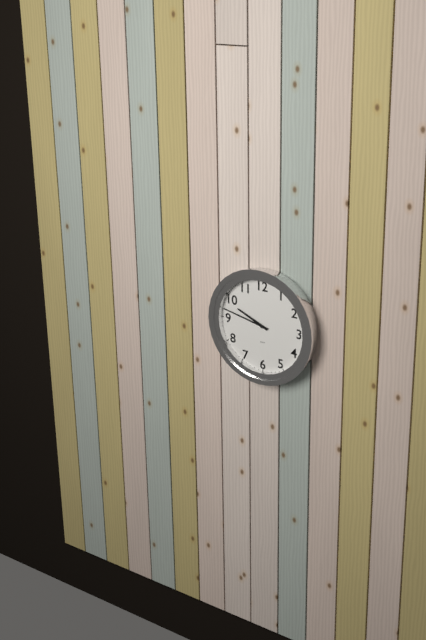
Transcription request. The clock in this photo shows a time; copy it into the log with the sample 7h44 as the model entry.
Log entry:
9h47
